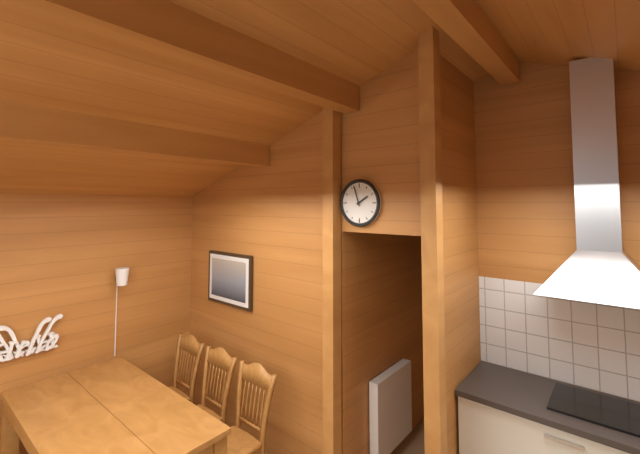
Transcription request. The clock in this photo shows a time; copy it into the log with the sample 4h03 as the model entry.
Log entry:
1h57
